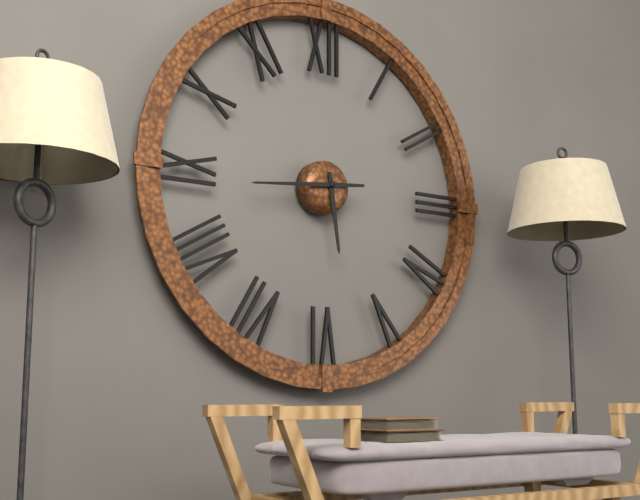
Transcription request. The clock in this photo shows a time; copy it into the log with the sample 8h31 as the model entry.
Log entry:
5h44
